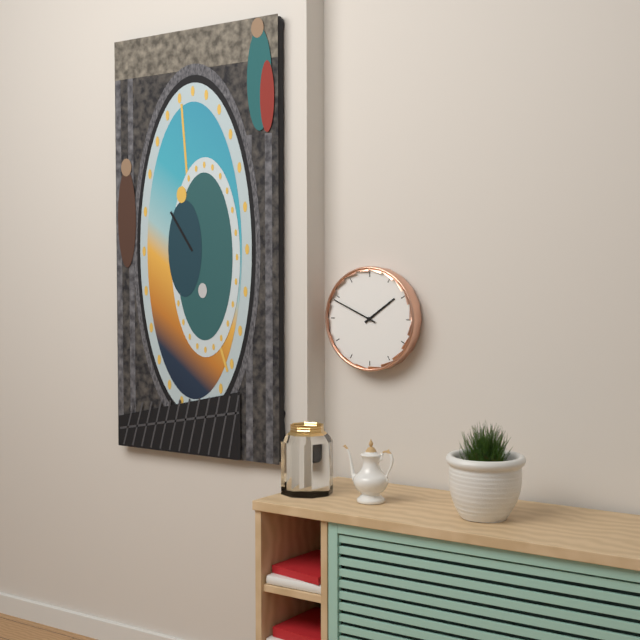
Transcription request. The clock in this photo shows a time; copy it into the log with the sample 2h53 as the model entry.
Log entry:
1h49
